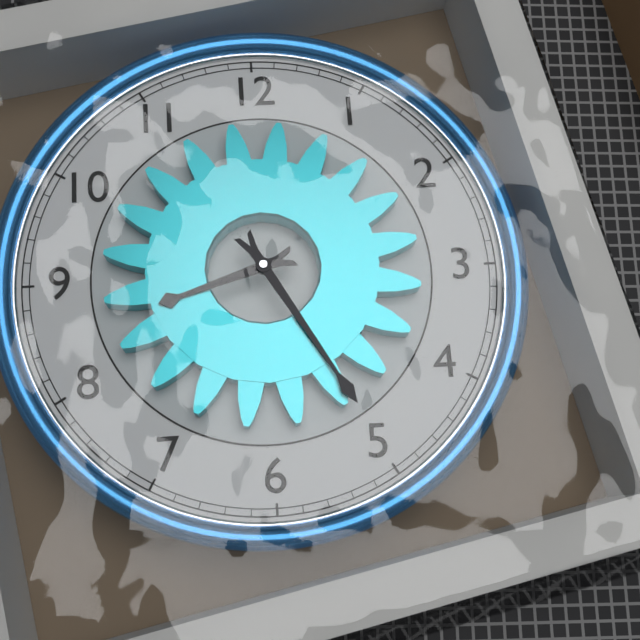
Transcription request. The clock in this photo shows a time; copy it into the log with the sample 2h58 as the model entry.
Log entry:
8h25
